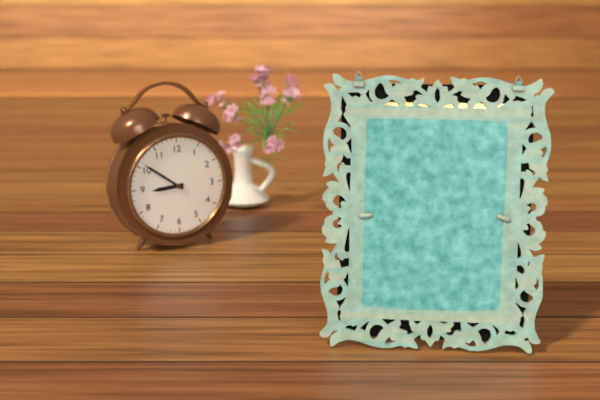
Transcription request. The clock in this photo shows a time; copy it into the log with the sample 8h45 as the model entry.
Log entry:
8h51
